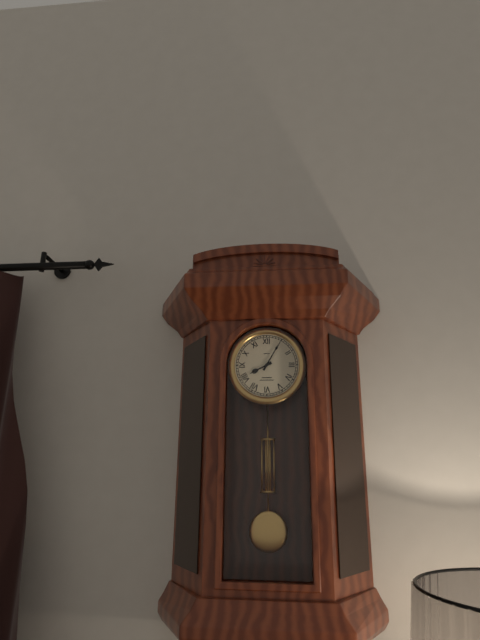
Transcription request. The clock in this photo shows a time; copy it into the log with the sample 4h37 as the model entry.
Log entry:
8h05
